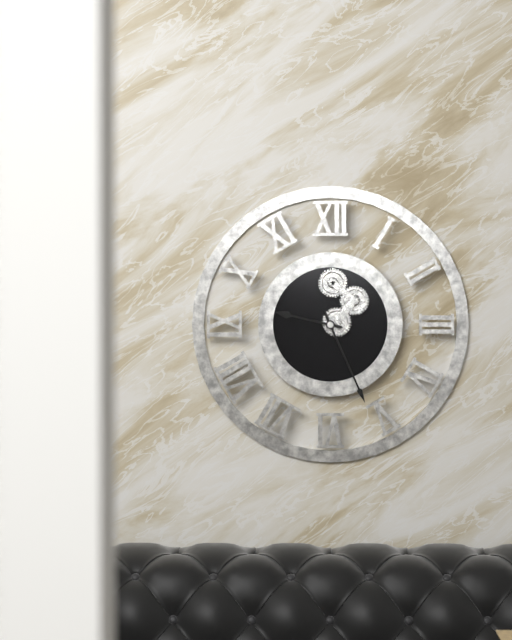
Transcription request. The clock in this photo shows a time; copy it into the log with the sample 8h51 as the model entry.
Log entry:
9h26
